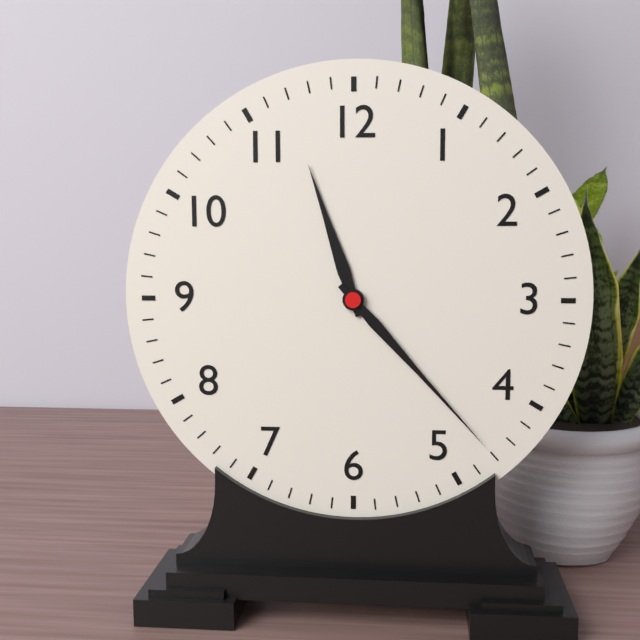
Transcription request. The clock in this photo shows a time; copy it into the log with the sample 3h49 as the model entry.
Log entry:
11h23
